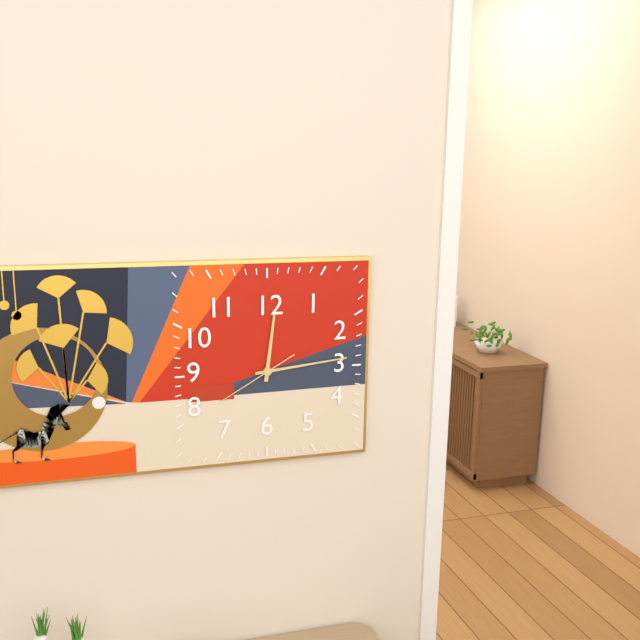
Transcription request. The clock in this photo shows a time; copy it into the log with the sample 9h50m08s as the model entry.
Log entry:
12h14m40s
